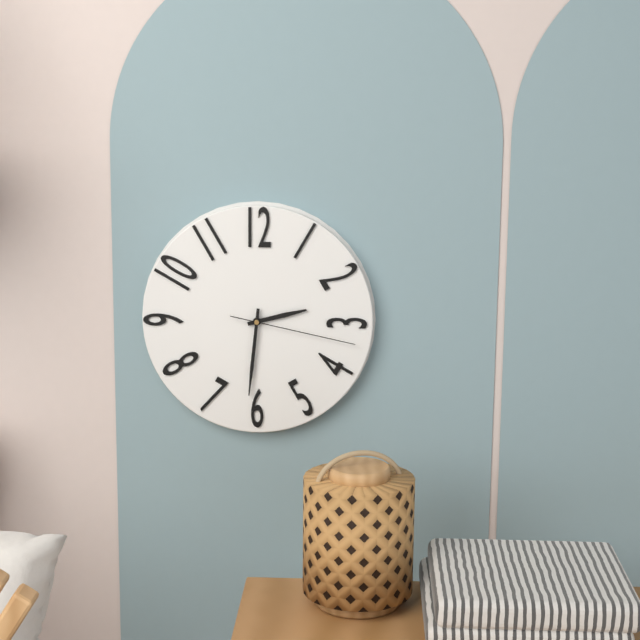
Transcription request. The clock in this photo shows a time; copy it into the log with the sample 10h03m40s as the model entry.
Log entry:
2h31m17s
